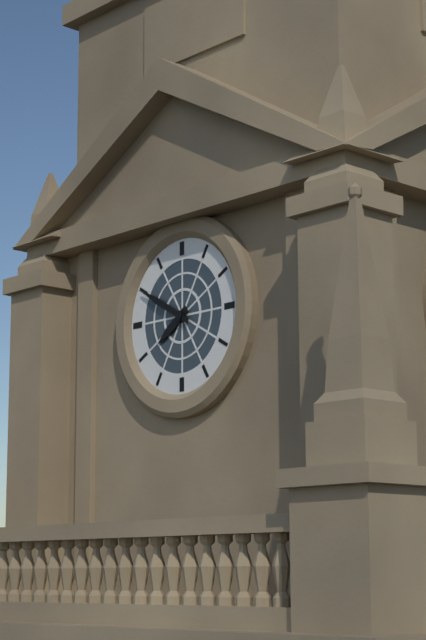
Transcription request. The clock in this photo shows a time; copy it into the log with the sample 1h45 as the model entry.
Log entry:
7h50
